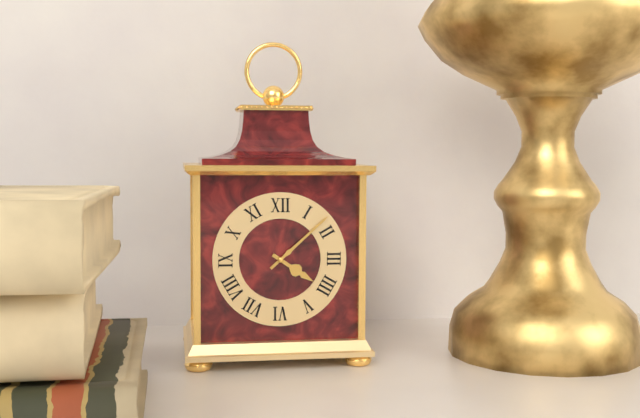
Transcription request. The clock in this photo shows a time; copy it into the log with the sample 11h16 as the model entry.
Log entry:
4h08
